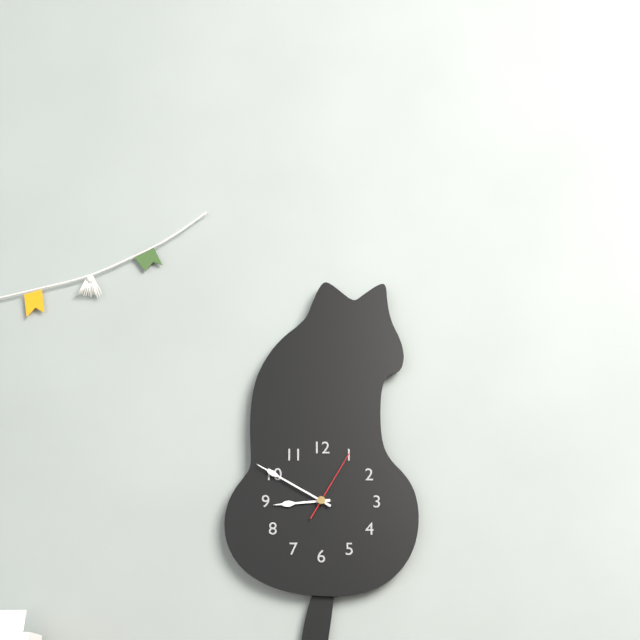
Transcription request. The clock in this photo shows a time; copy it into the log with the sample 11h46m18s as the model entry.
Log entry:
8h50m05s
